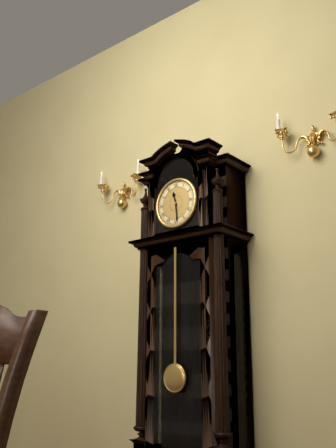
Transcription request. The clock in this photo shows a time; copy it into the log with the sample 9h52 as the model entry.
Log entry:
11h29
